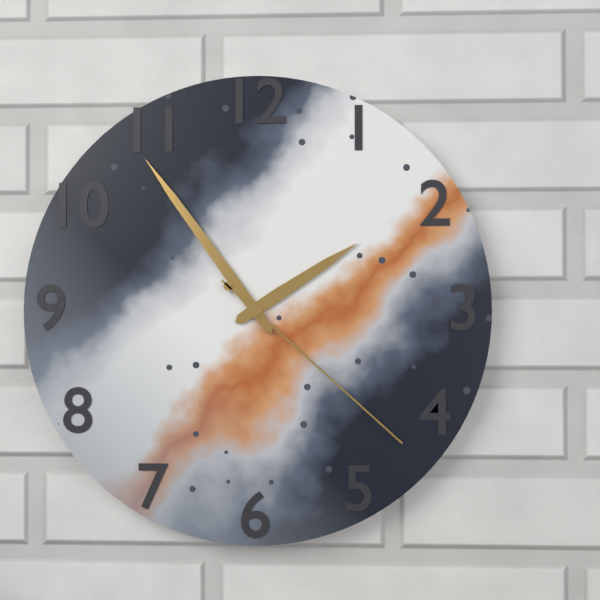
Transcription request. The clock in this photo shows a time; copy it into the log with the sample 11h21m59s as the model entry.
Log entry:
1h54m22s
